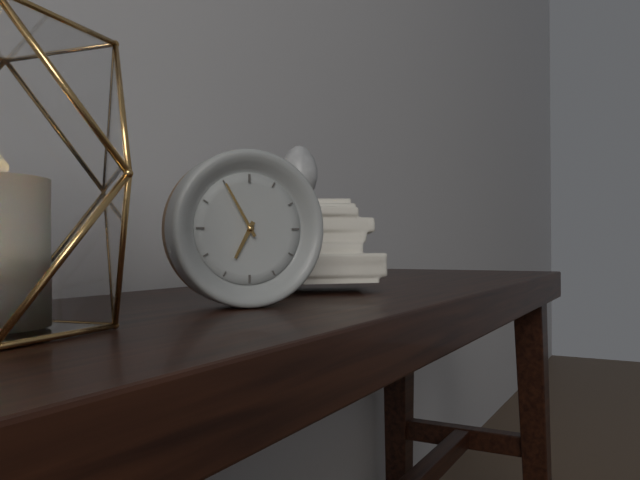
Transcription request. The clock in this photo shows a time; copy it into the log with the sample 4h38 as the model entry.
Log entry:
6h55
